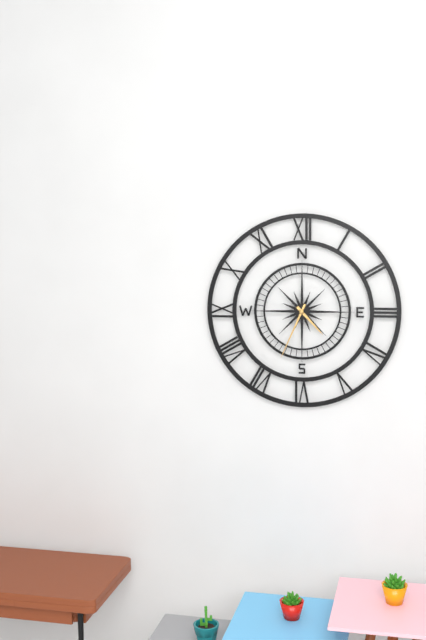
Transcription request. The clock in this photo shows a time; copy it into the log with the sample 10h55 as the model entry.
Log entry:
4h34
